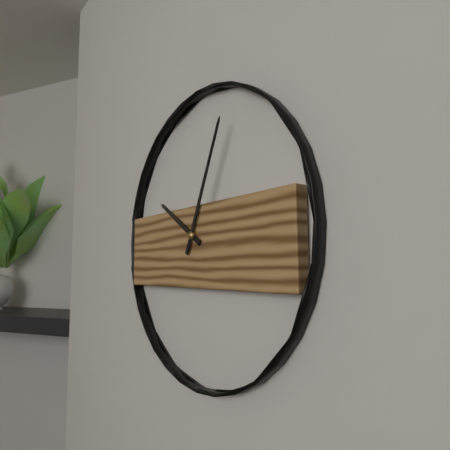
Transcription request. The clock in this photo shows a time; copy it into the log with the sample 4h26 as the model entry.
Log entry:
10h04
